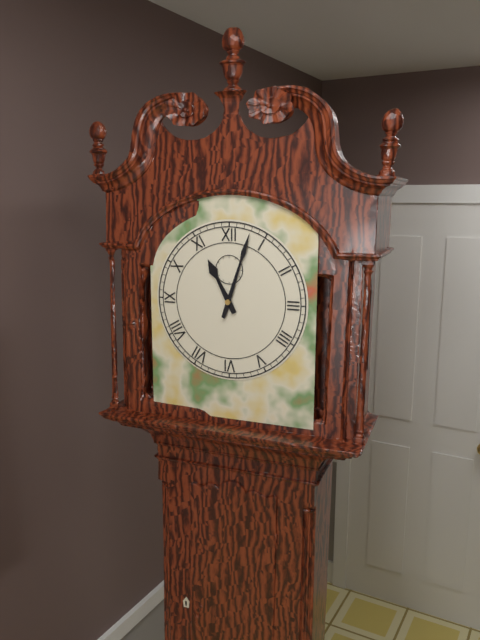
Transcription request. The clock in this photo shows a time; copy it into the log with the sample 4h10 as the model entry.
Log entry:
11h03
